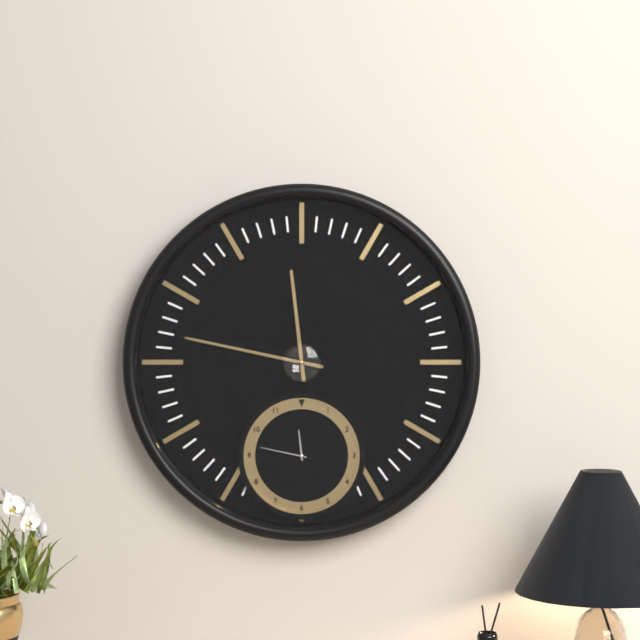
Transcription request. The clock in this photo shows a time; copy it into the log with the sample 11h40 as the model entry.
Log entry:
11h47
